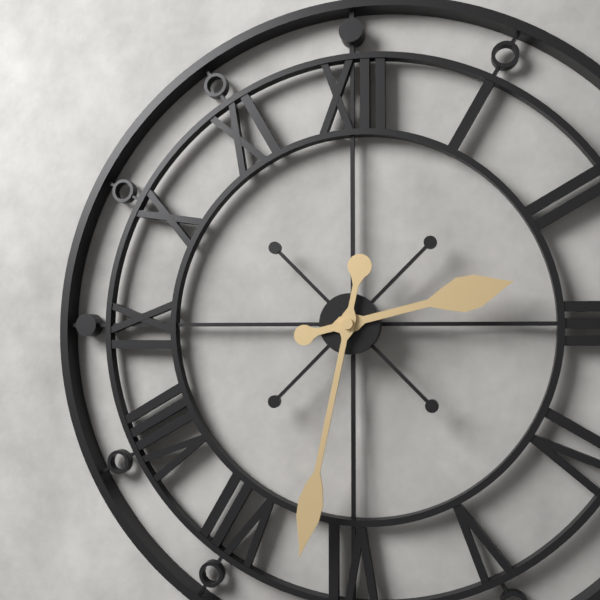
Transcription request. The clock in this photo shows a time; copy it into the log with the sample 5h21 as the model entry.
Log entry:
2h32
